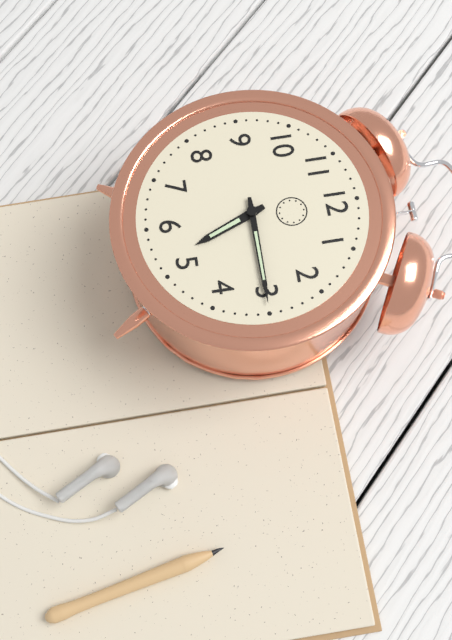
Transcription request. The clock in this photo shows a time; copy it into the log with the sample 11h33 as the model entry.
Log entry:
5h15
